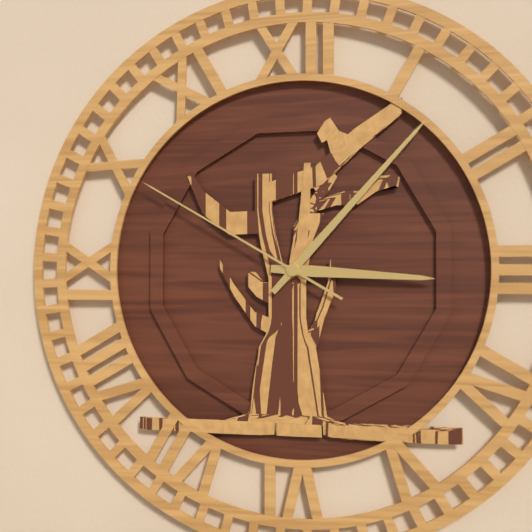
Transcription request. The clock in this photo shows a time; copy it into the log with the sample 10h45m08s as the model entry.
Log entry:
3h07m50s
